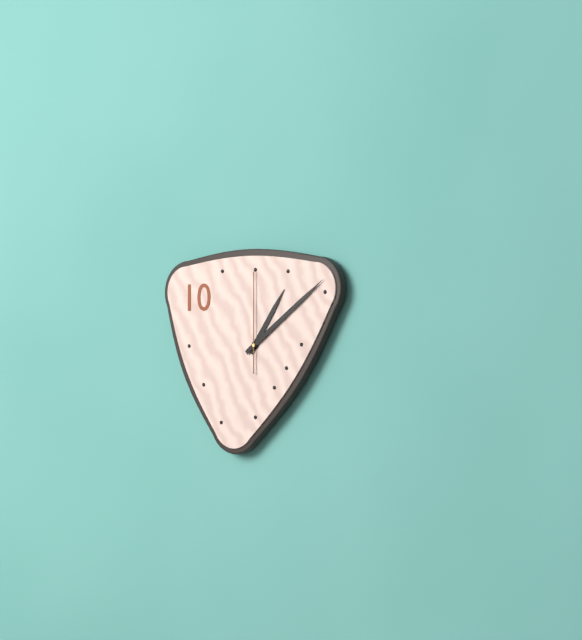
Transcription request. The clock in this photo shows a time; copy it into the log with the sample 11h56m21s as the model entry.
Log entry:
1h09m00s
